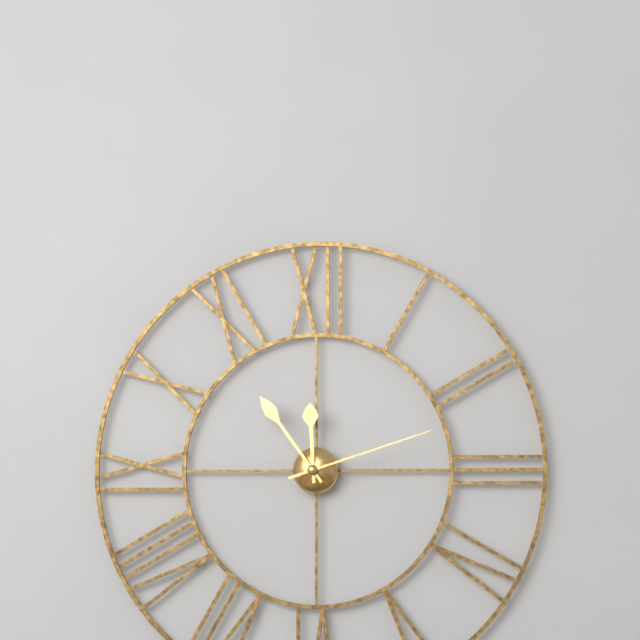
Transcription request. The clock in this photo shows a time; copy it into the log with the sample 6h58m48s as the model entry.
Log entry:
11h54m12s
